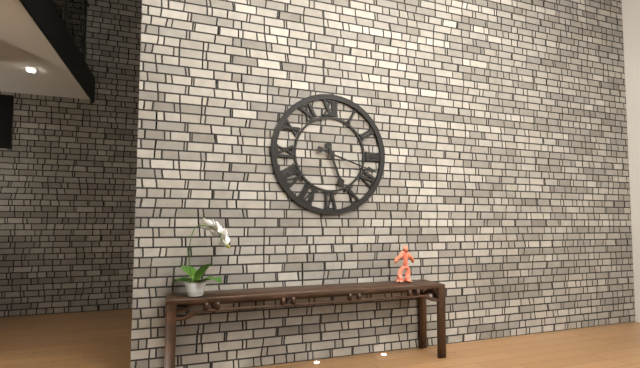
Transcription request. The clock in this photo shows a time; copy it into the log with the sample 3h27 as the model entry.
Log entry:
5h18
